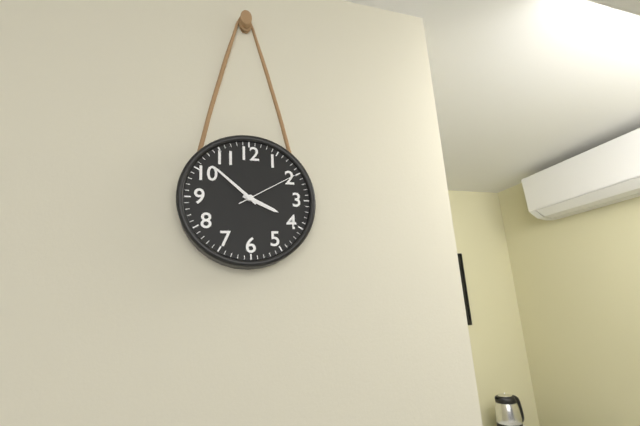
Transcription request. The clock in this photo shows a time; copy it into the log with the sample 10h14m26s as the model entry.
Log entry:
3h52m10s
